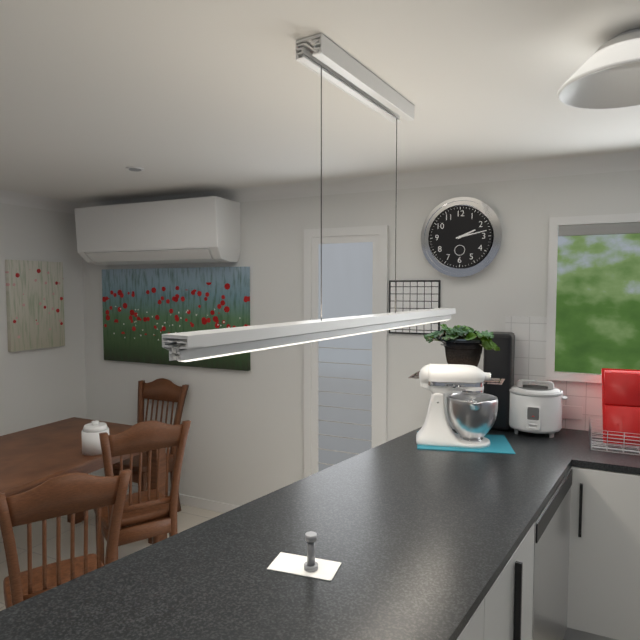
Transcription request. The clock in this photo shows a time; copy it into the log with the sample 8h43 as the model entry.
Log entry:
2h13
